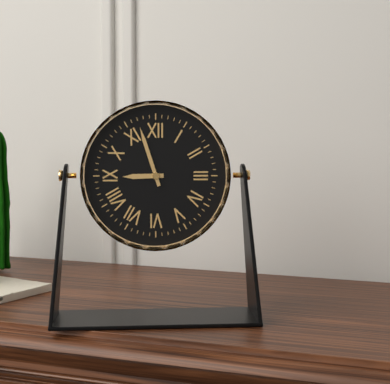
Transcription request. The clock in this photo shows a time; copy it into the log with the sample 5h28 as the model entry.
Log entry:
8h57
